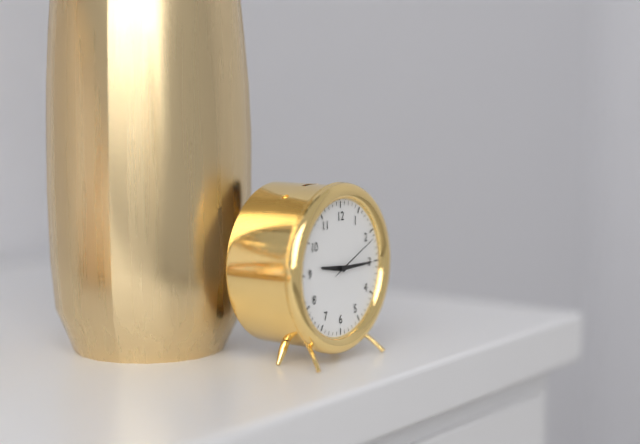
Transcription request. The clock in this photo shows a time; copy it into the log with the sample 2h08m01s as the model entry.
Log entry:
9h15m11s
